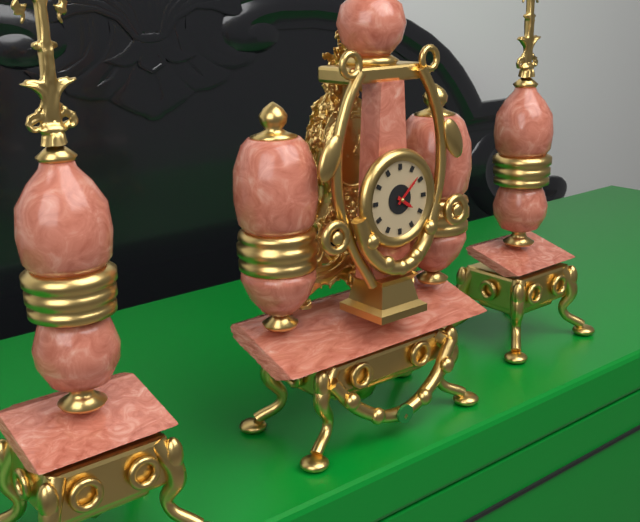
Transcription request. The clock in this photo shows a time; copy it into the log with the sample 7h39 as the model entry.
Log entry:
4h08
